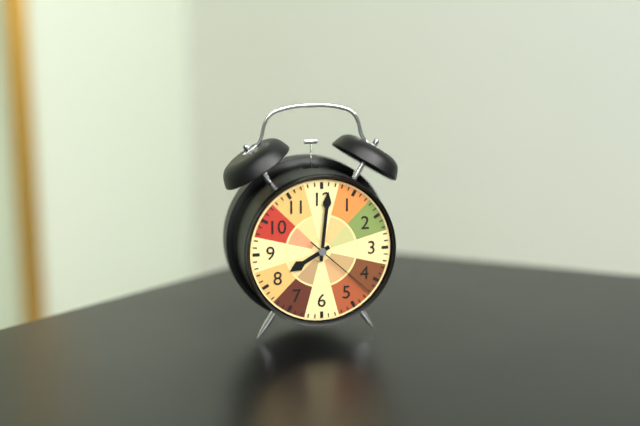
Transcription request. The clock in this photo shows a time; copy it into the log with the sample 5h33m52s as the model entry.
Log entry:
8h01m22s
